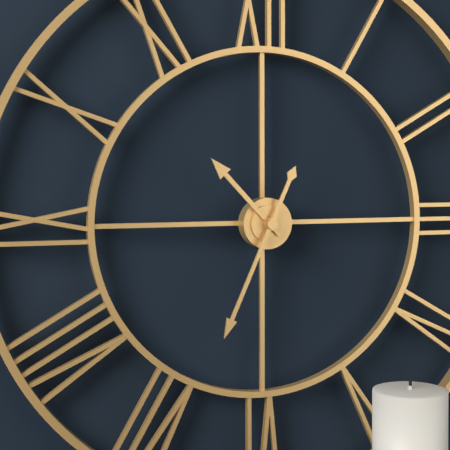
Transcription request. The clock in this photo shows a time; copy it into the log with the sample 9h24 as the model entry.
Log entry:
10h34
